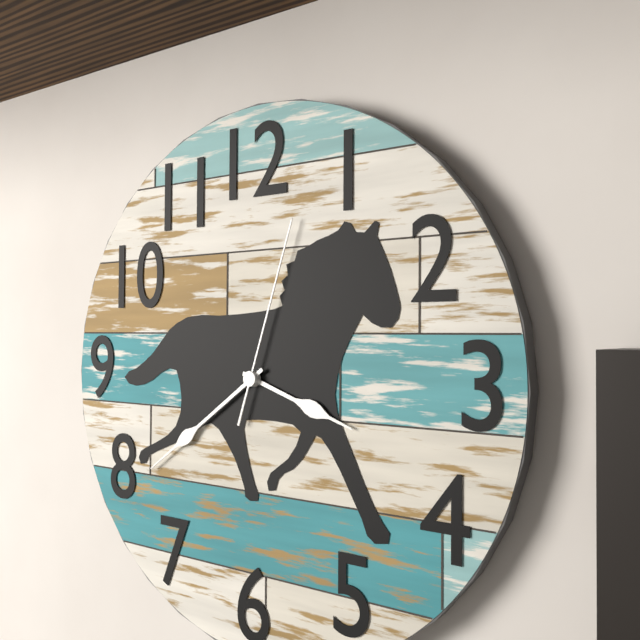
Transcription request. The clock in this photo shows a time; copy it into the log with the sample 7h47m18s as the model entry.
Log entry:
3h39m03s
